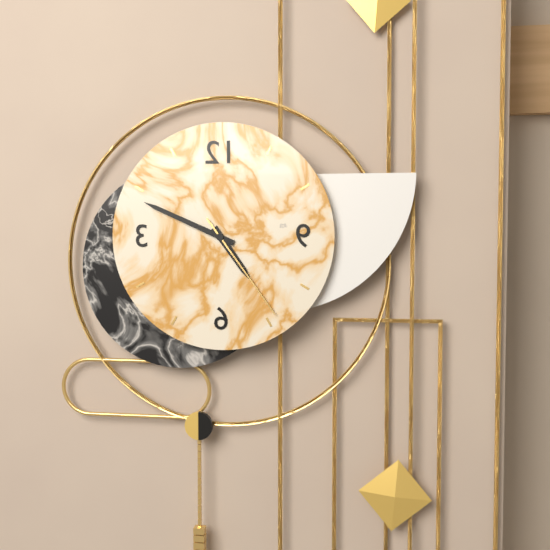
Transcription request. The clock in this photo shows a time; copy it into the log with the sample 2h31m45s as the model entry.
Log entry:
4h49m24s
